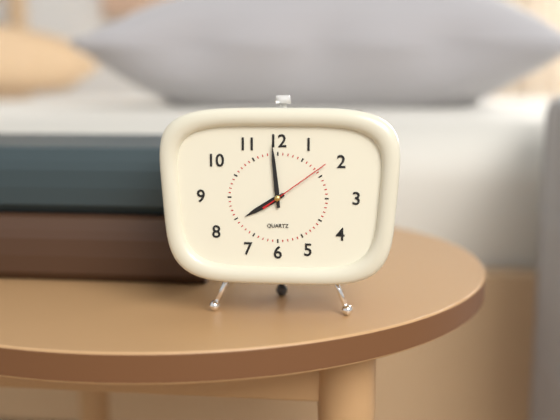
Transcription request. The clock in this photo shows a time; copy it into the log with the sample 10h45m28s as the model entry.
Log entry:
7h59m09s
